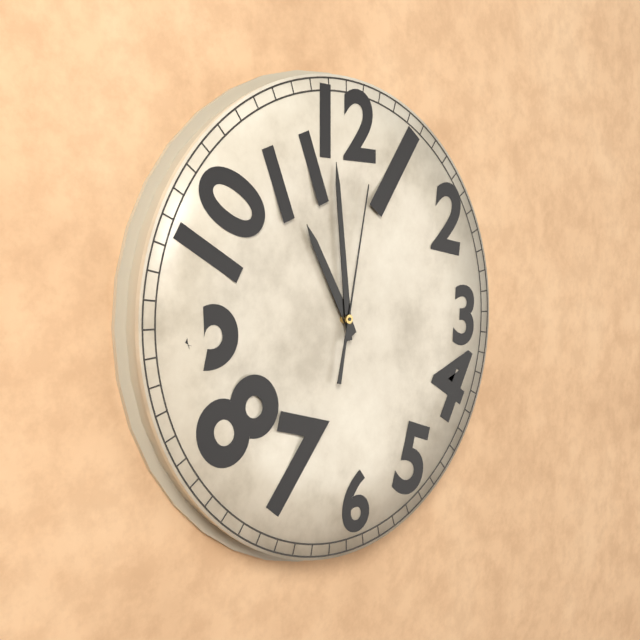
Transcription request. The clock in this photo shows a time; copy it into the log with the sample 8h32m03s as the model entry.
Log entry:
10h59m02s
